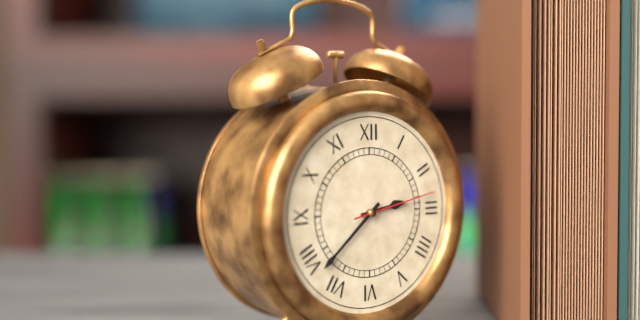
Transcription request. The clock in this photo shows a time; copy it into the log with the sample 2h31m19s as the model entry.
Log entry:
2h38m13s
